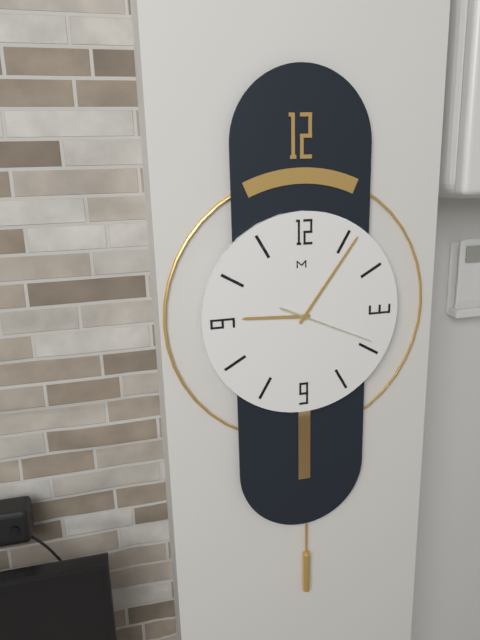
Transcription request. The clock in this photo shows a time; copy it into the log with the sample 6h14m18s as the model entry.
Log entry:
9h06m19s
